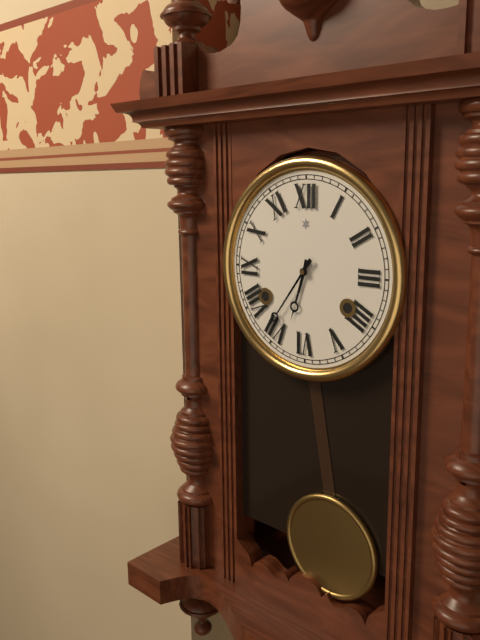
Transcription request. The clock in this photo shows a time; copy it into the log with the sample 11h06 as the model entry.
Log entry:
6h36
